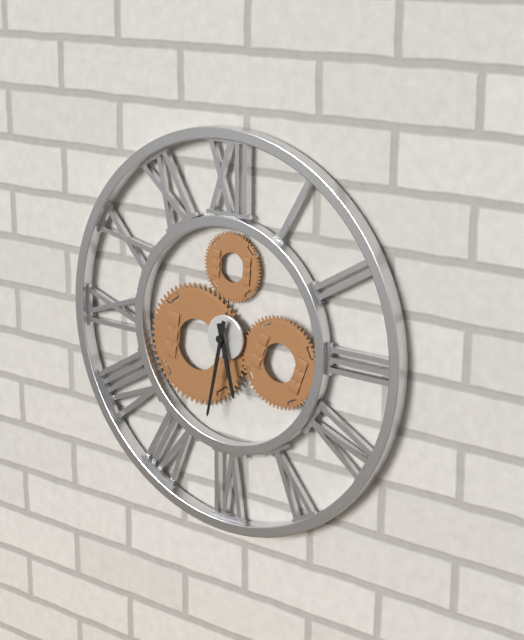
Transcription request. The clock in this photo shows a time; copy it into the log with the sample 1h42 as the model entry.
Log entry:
5h32
